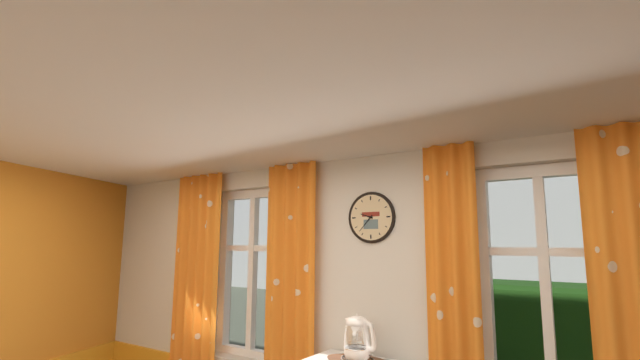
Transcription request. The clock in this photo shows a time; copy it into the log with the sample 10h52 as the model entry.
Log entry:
9h37
